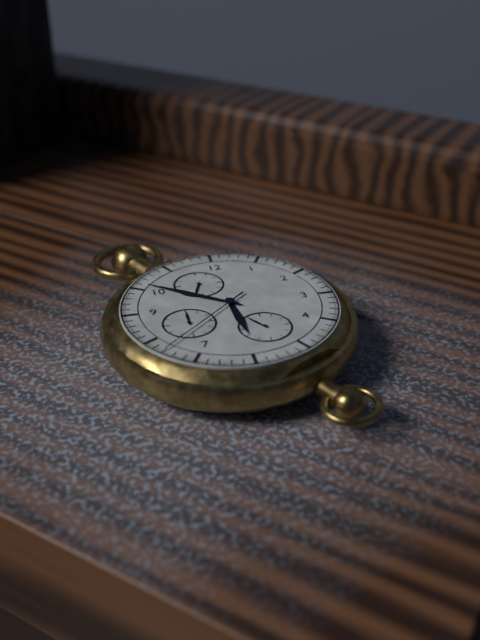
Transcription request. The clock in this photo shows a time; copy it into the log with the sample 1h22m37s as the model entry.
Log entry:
5h51m38s
